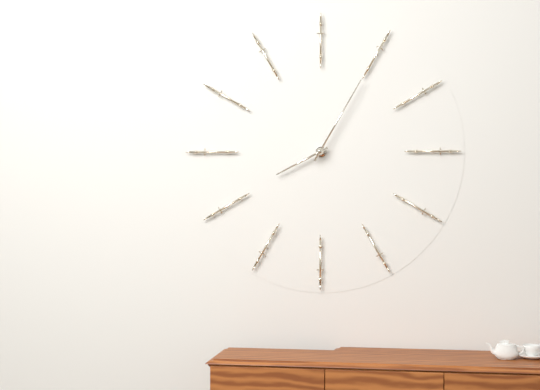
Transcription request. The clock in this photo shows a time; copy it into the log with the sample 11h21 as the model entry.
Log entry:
8h05
